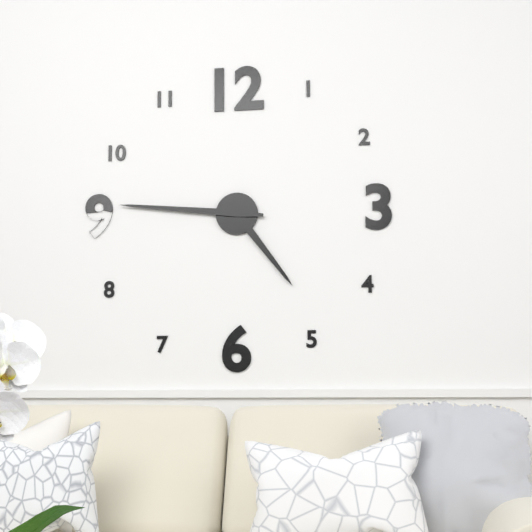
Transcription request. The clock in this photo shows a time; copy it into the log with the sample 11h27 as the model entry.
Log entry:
4h46
